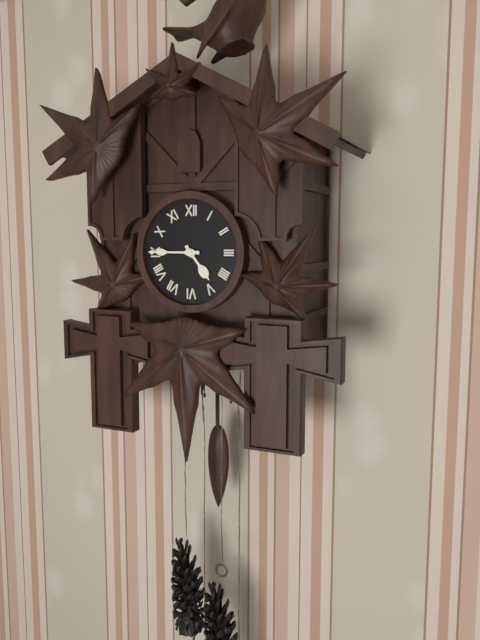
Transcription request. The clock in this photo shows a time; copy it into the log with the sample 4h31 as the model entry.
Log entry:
4h45
